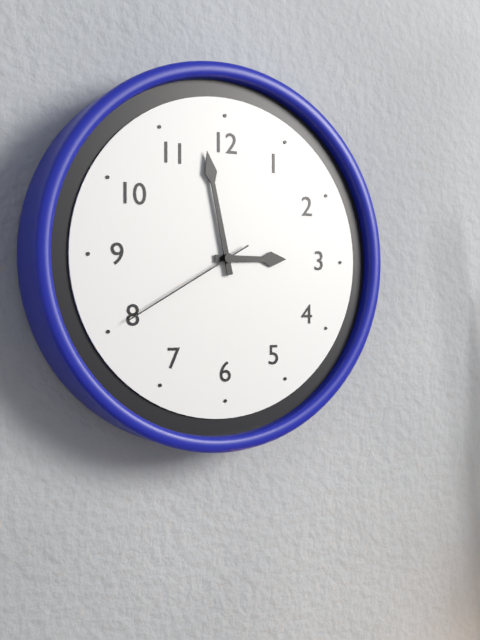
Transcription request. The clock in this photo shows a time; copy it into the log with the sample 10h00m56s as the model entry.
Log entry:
2h58m40s
